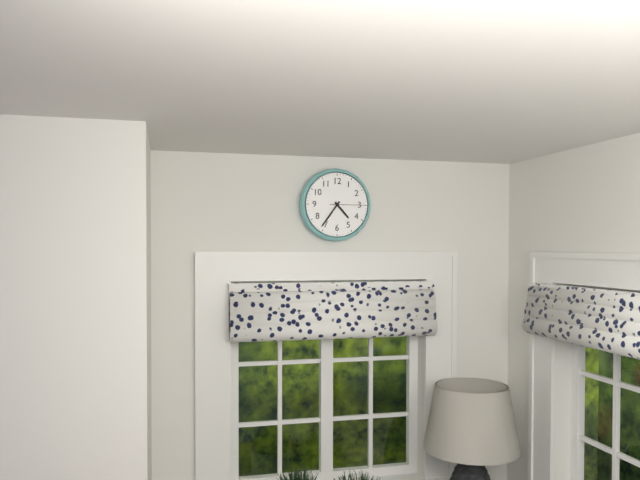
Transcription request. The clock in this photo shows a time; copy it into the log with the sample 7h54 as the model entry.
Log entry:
4h36
